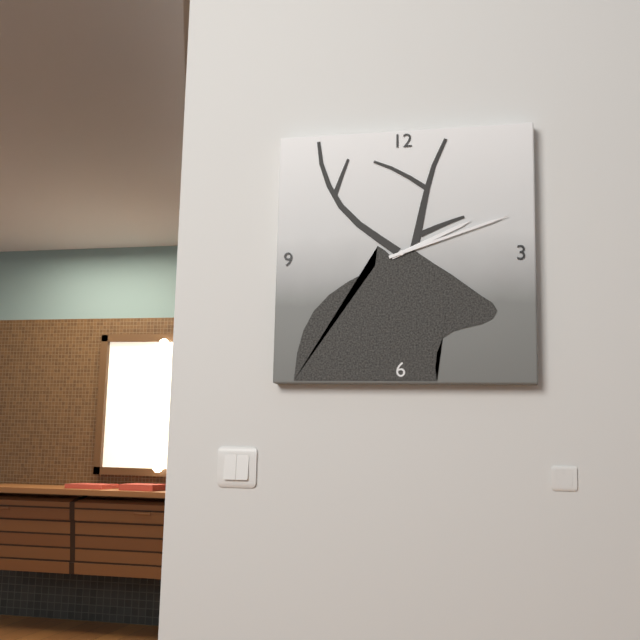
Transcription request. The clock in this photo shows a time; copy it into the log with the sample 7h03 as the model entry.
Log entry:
2h12
